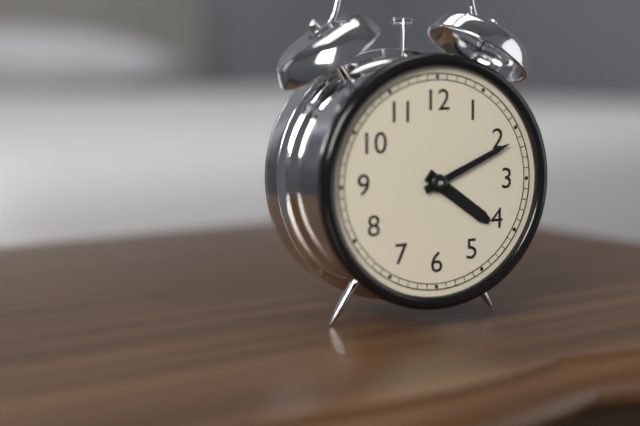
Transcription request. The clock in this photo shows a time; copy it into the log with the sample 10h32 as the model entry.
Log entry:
4h11
